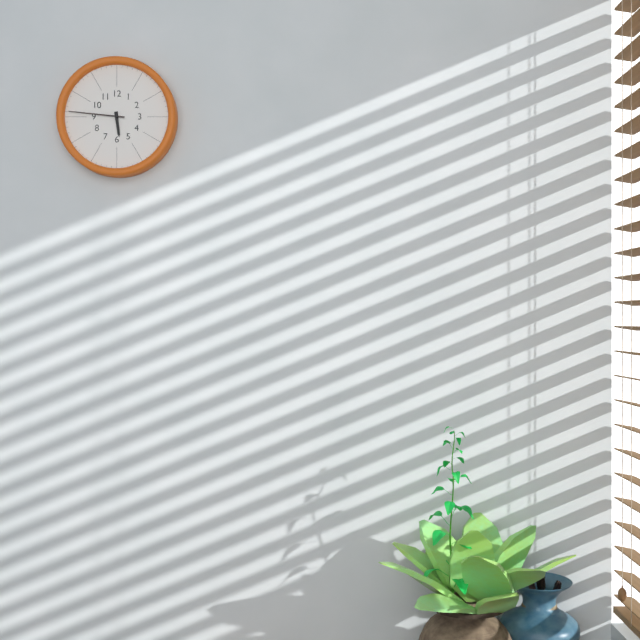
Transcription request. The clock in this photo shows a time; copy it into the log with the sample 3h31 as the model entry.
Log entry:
5h46
